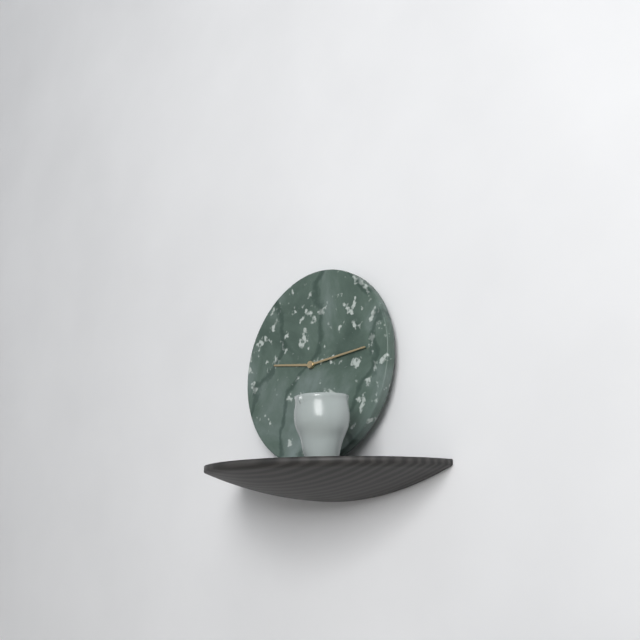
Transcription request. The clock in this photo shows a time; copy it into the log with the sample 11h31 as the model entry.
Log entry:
9h14
